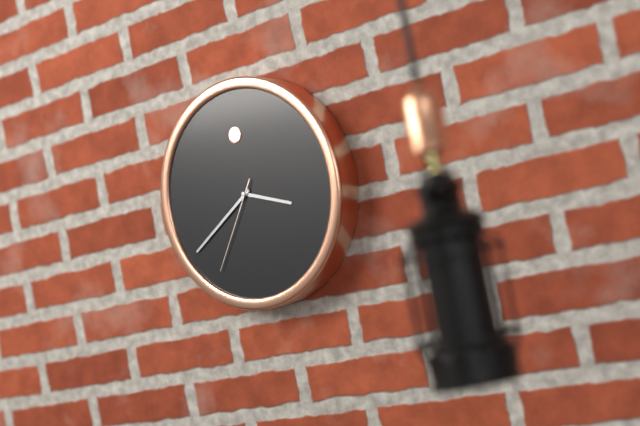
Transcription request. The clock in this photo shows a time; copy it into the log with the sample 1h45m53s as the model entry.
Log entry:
3h40m36s
